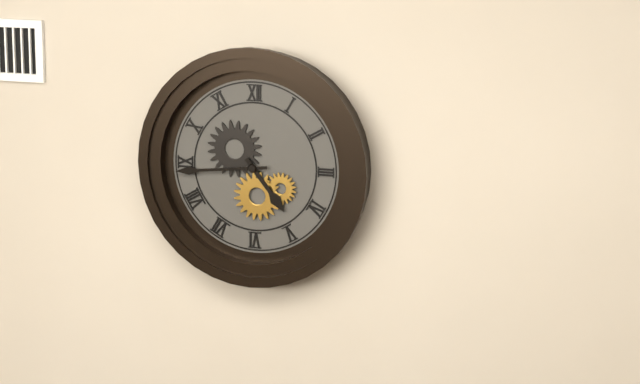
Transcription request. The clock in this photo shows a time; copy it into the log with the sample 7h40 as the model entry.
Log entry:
4h44
